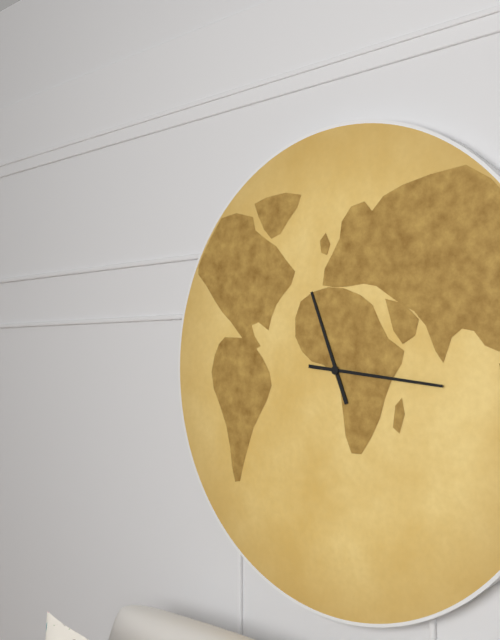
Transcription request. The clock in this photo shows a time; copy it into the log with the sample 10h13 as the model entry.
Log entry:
11h16
